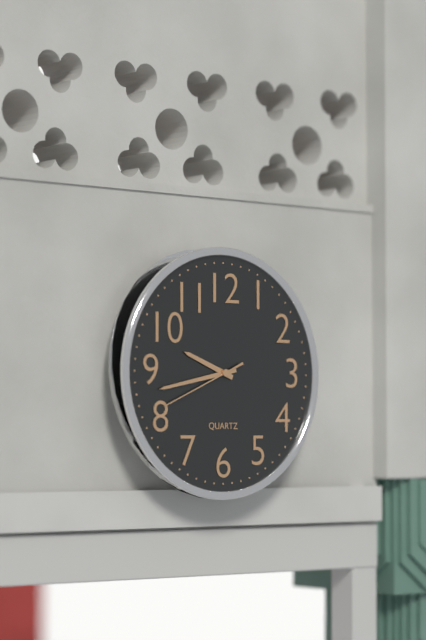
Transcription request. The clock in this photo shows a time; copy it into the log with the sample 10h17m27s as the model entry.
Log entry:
9h43m41s
